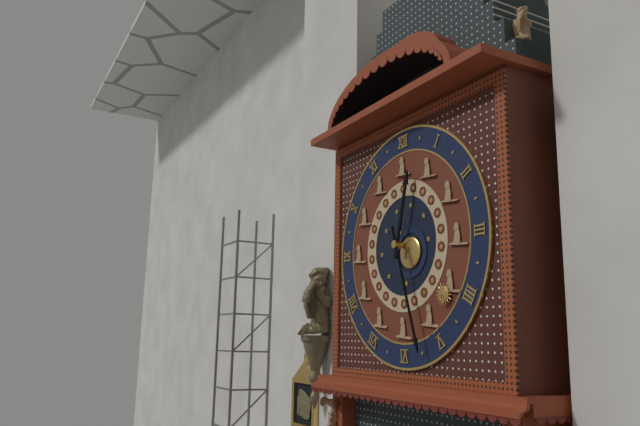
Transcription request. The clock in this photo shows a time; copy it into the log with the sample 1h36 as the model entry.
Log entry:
12h27
